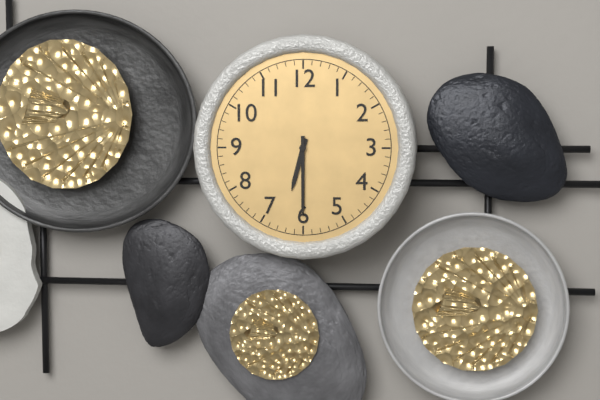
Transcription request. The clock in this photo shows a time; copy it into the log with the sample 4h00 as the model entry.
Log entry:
6h30
